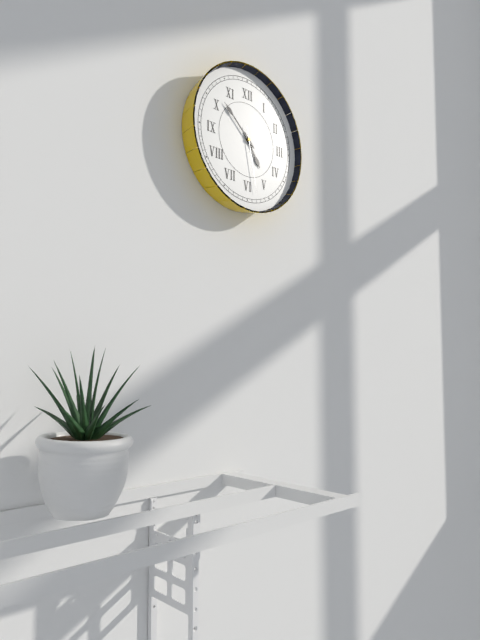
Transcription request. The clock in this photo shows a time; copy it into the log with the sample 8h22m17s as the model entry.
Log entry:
4h52m28s
